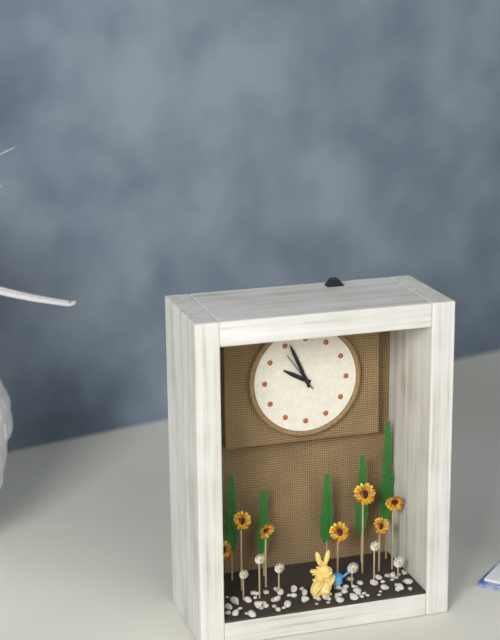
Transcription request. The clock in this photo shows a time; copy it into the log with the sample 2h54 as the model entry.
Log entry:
9h56
